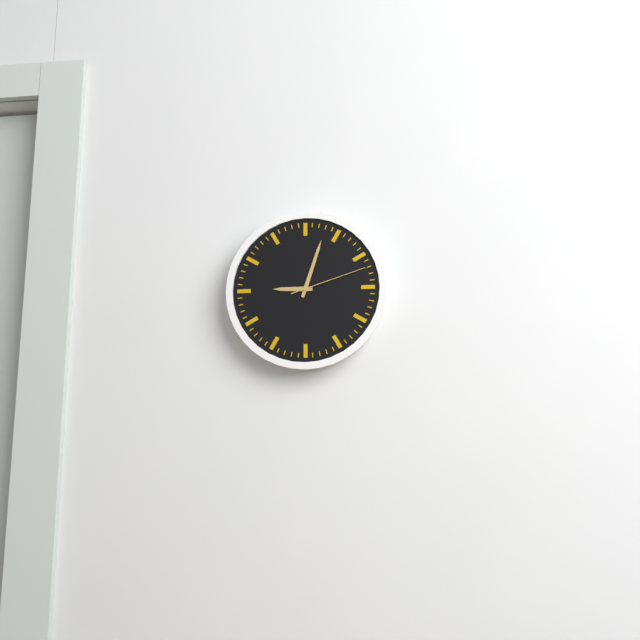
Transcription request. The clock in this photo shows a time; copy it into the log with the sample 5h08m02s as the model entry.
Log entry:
9h03m12s
